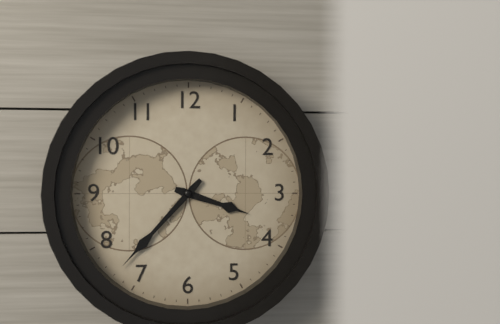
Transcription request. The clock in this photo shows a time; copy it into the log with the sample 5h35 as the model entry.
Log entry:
3h37
